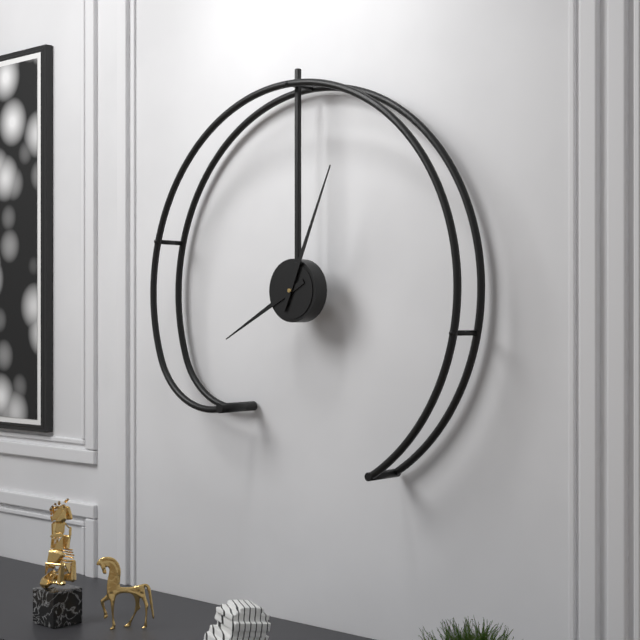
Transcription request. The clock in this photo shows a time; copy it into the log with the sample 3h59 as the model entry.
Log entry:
8h04
